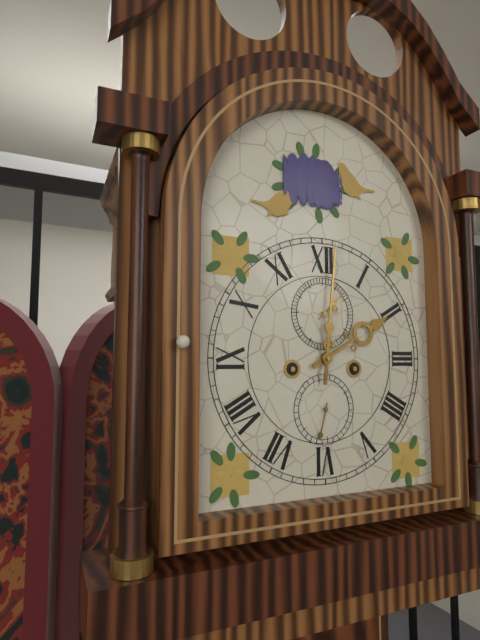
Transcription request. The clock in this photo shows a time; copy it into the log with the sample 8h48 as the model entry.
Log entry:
2h01
